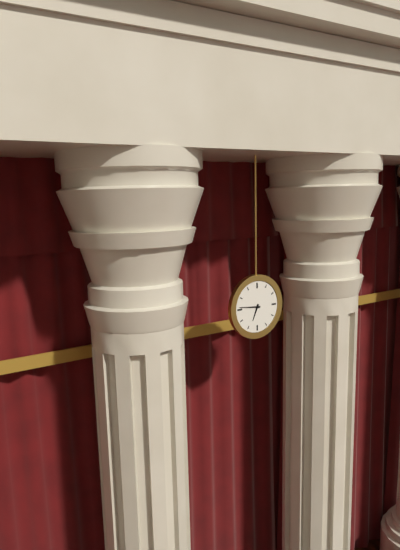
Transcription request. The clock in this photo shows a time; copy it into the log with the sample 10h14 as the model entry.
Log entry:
6h46
